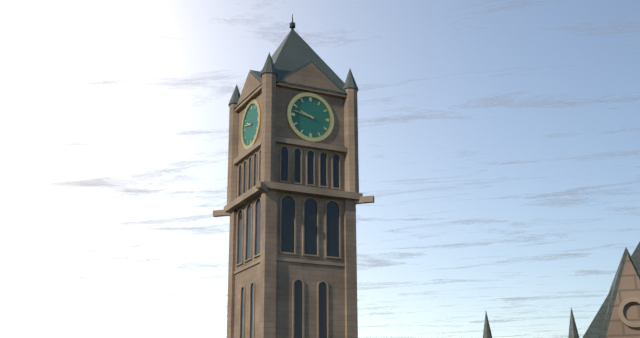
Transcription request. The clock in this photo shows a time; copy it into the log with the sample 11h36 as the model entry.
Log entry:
9h47
